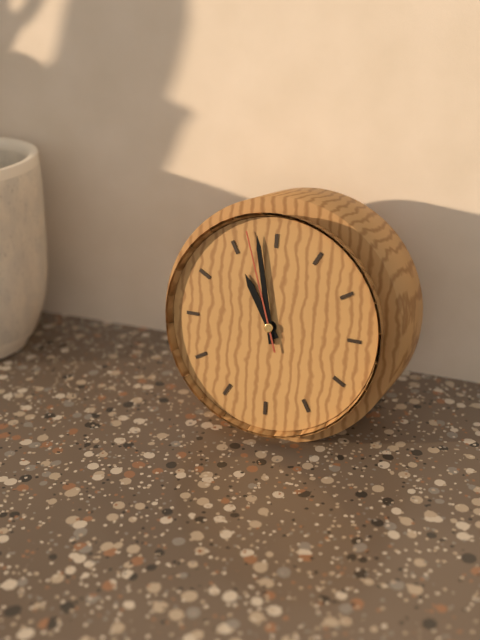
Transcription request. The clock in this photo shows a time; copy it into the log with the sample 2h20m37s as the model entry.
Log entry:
10h58m57s
